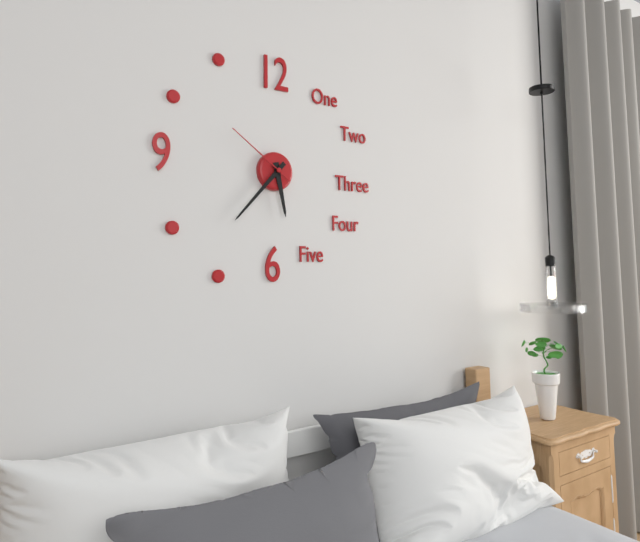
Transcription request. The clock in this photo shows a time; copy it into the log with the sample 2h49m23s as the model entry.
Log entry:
5h37m51s
